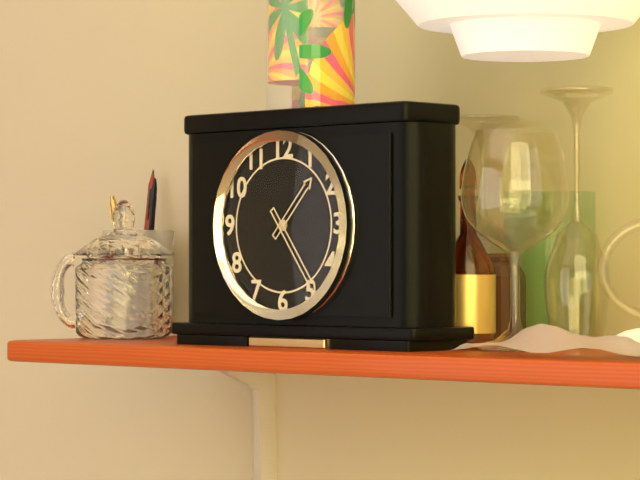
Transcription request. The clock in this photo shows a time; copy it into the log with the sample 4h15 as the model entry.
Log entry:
1h24
